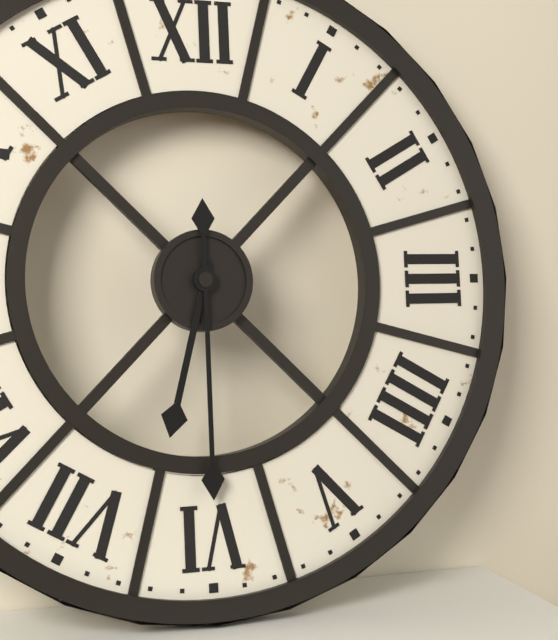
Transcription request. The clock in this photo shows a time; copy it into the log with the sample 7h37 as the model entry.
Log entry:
6h30
